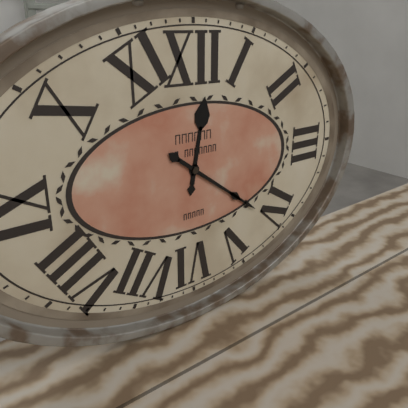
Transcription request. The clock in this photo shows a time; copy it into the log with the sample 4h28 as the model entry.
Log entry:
12h21
